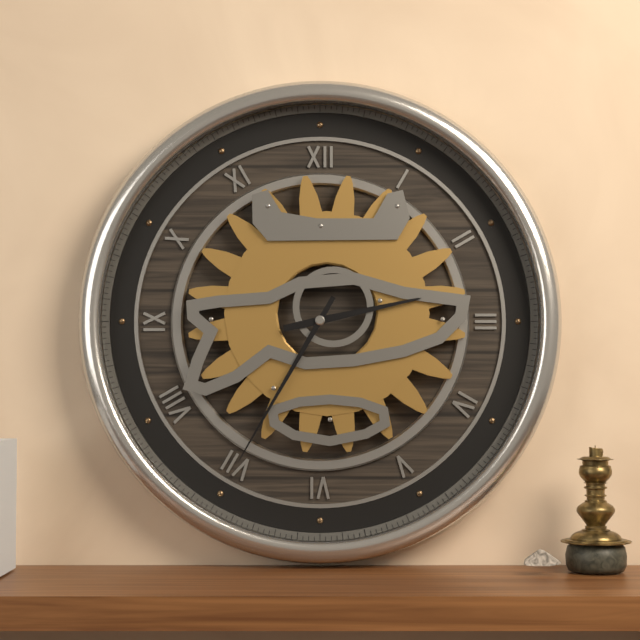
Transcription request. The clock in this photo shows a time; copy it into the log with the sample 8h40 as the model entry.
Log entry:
2h35
